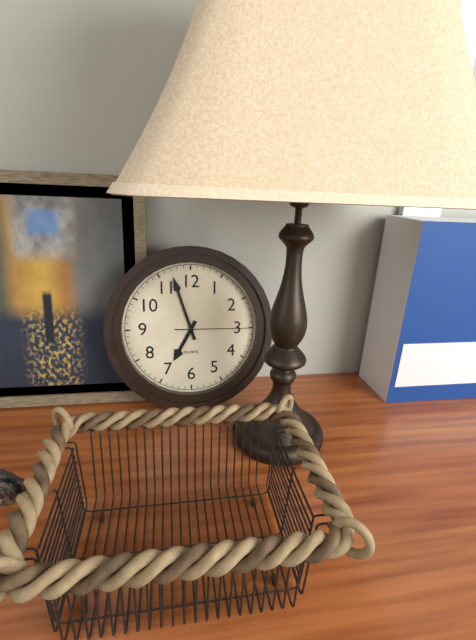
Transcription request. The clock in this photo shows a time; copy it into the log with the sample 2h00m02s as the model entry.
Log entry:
6h57m15s
